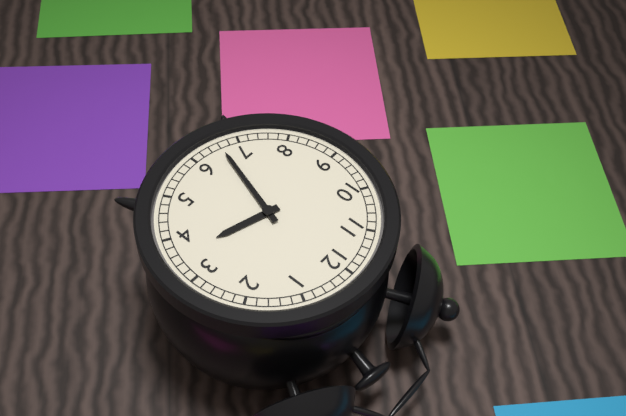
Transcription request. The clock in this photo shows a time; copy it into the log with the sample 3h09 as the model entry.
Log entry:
3h33
